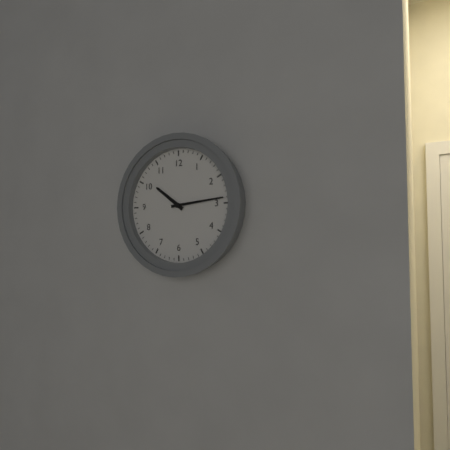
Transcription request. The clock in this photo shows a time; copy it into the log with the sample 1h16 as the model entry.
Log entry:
10h14
